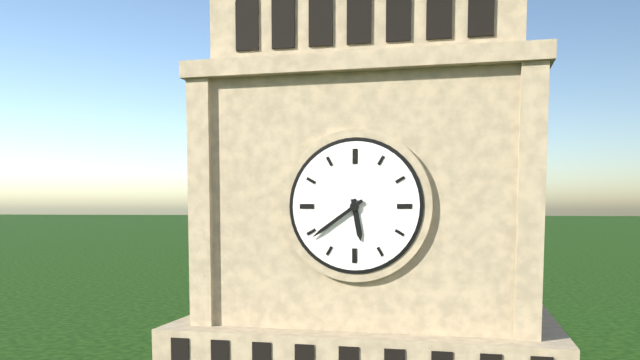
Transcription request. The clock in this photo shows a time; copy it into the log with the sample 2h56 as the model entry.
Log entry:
5h39
